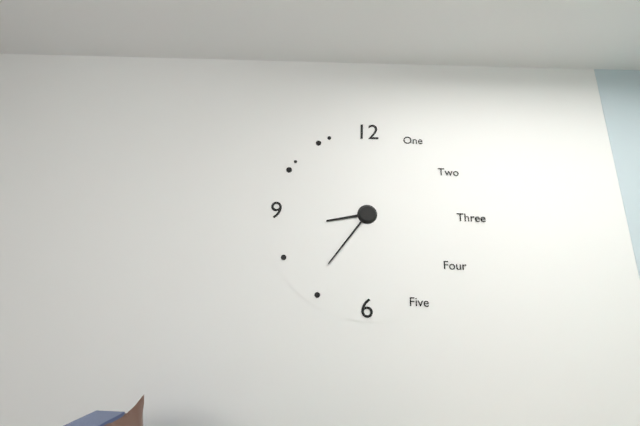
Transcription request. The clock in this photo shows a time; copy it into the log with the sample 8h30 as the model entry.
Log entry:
8h36
